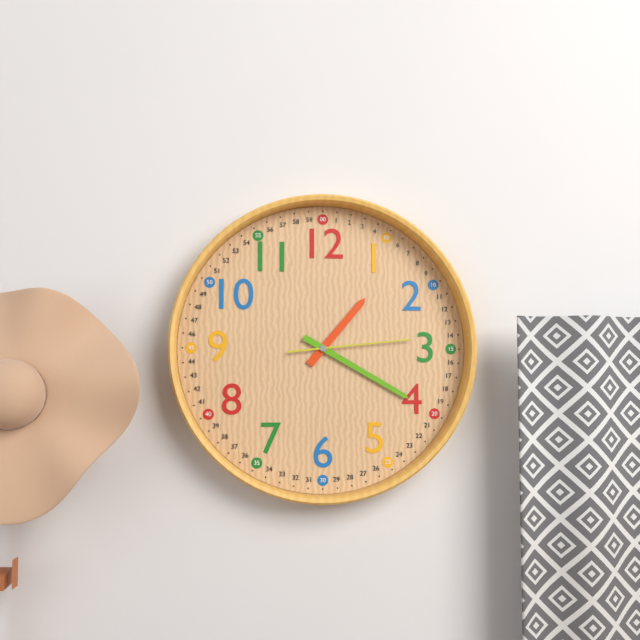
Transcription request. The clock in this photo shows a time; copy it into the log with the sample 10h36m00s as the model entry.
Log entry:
1h20m14s
